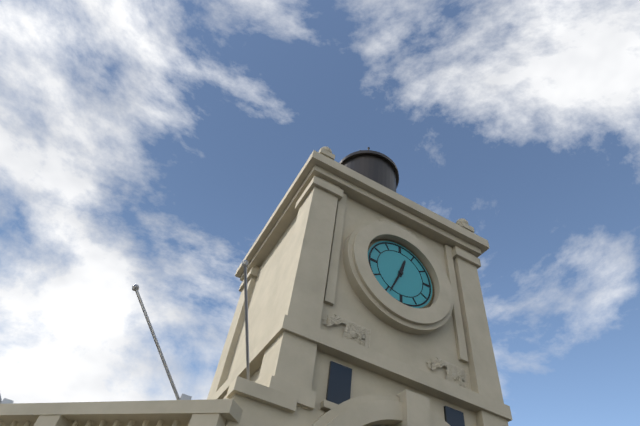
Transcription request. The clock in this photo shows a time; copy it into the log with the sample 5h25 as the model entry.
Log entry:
12h34
